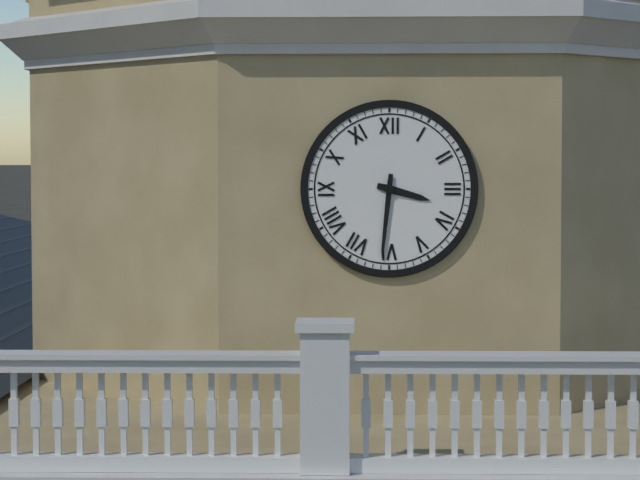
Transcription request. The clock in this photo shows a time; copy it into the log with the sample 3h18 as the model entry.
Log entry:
3h31
